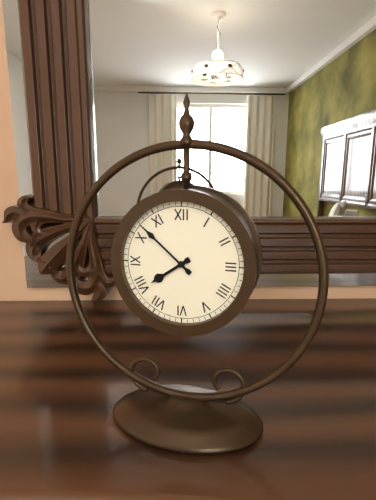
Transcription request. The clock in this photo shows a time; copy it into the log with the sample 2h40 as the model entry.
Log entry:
7h52
